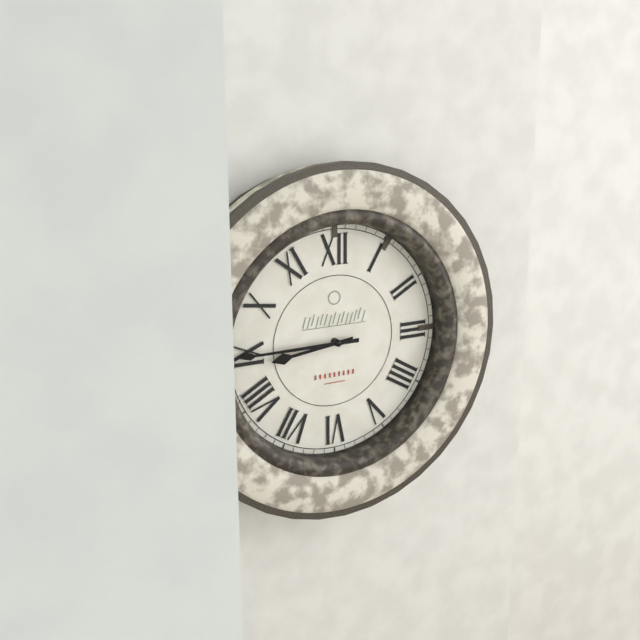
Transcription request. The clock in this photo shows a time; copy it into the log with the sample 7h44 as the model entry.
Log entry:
8h45
